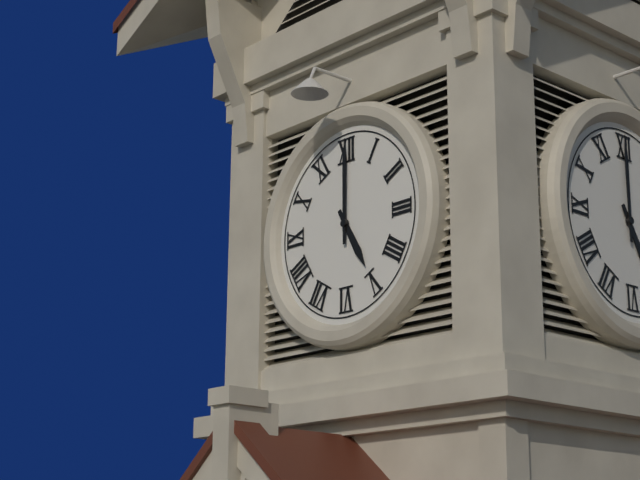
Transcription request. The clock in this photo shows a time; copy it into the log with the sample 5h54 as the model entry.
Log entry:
5h00
